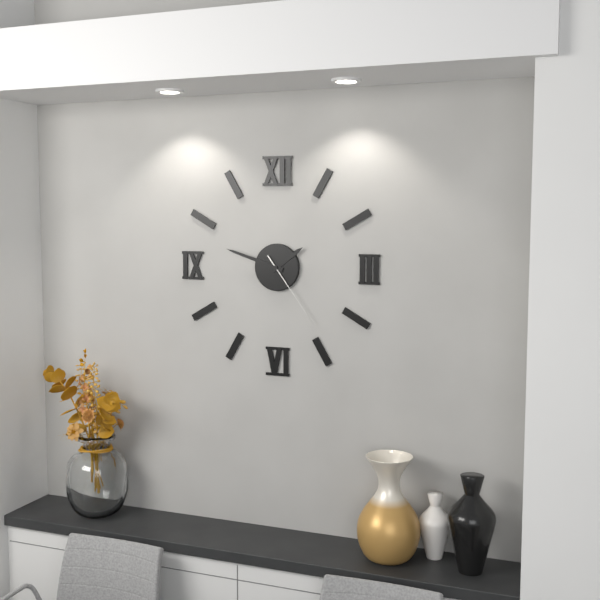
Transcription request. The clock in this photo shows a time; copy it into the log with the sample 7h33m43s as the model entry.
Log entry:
1h48m24s
